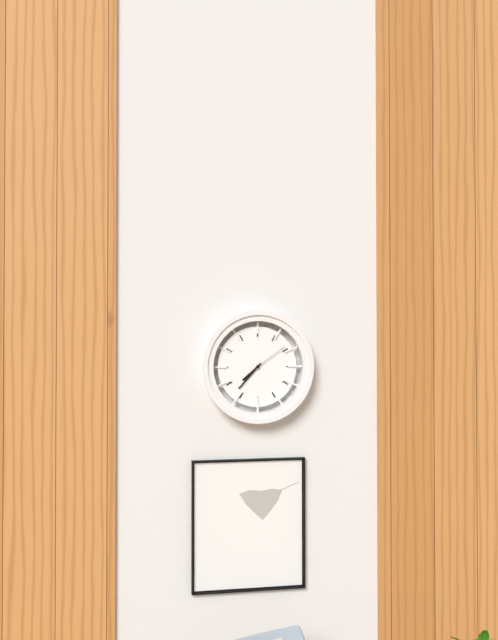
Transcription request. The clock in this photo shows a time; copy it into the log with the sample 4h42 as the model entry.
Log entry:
7h37
